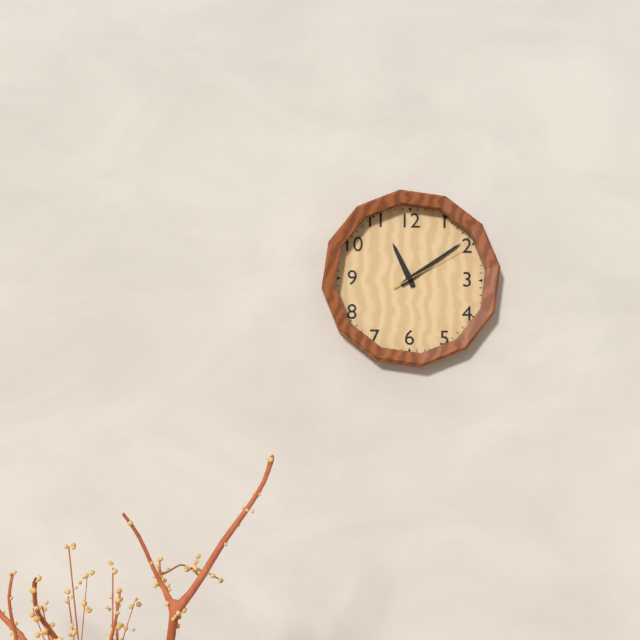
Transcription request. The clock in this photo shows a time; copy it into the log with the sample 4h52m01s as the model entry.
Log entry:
11h09m10s
